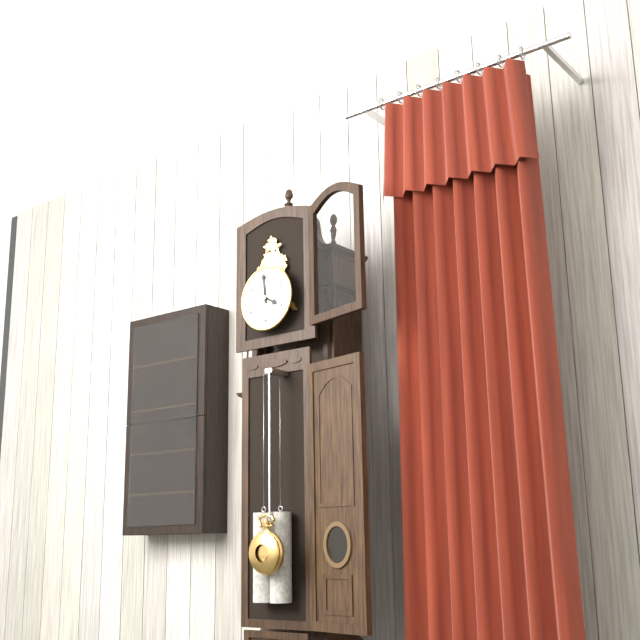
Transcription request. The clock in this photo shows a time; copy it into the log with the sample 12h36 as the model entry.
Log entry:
3h59
